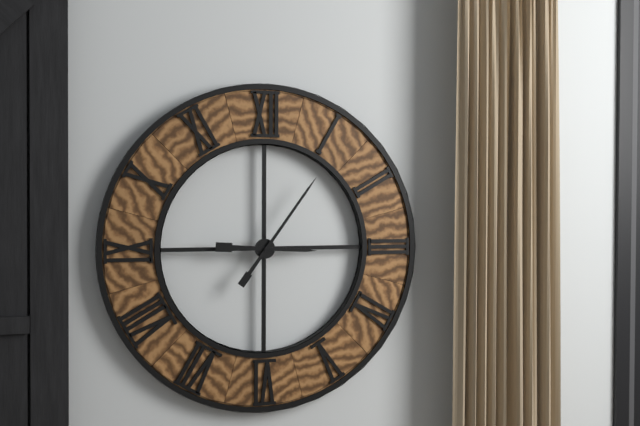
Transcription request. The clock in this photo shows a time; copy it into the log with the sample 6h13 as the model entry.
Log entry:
3h06
